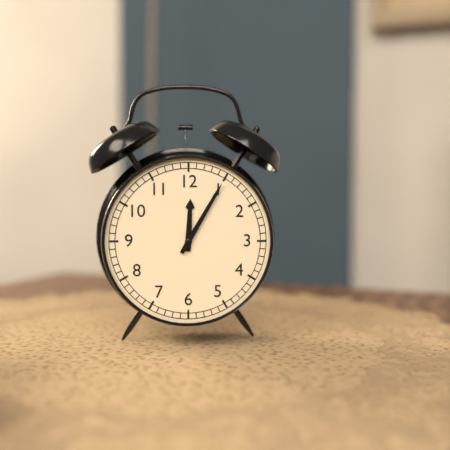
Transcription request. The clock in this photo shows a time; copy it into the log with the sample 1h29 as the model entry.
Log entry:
12h05
